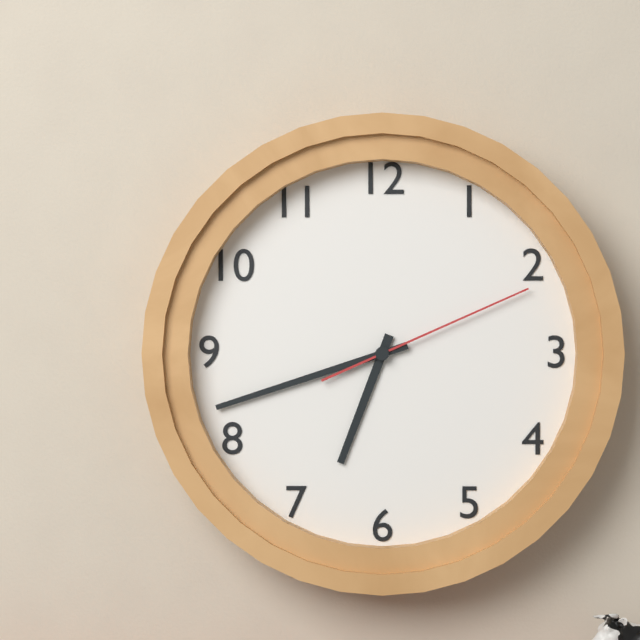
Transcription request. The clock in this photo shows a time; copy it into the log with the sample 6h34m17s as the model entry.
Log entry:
6h42m11s
